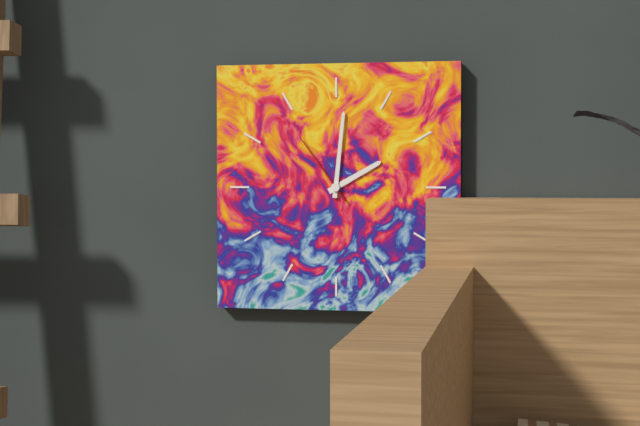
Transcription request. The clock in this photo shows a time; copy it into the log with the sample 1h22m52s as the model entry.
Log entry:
2h01m54s
